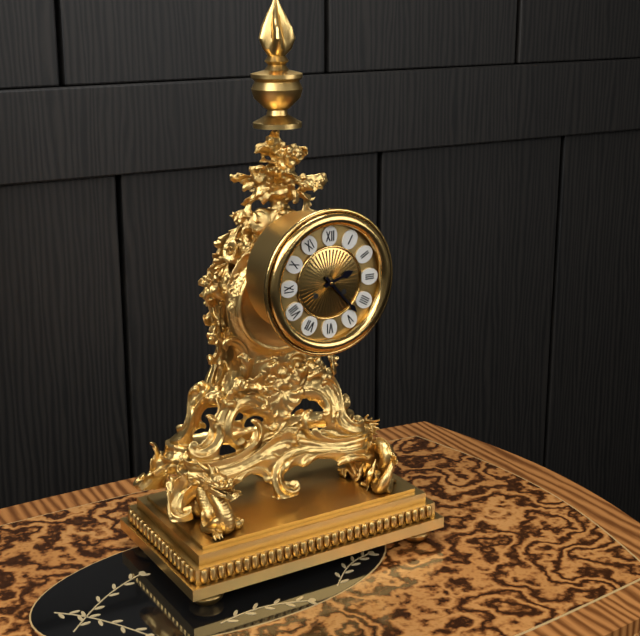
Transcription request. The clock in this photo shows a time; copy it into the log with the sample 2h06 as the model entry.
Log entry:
2h23
